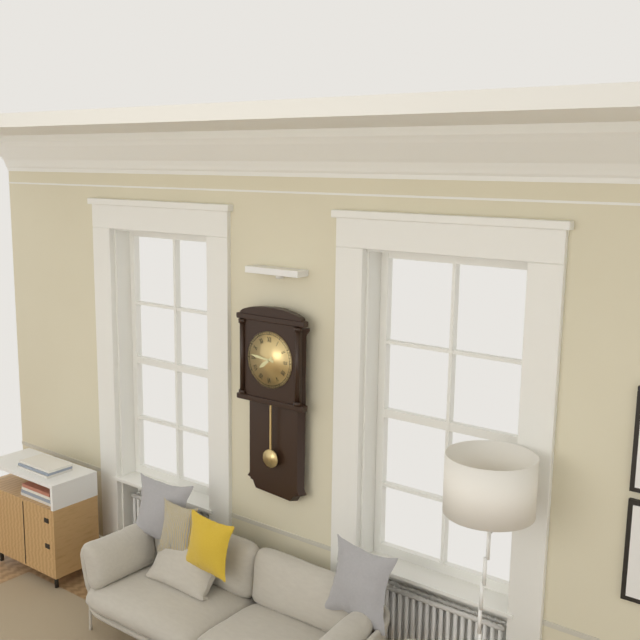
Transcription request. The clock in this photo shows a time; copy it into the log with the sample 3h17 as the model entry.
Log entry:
7h46
